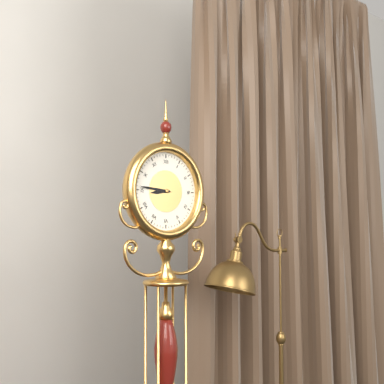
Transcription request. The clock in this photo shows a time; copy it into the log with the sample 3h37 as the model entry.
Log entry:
8h46
